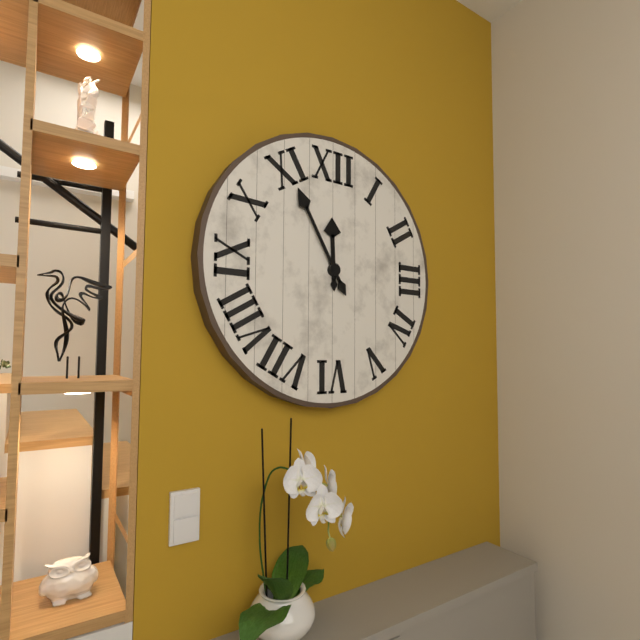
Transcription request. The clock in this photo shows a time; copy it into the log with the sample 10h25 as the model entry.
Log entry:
11h55
